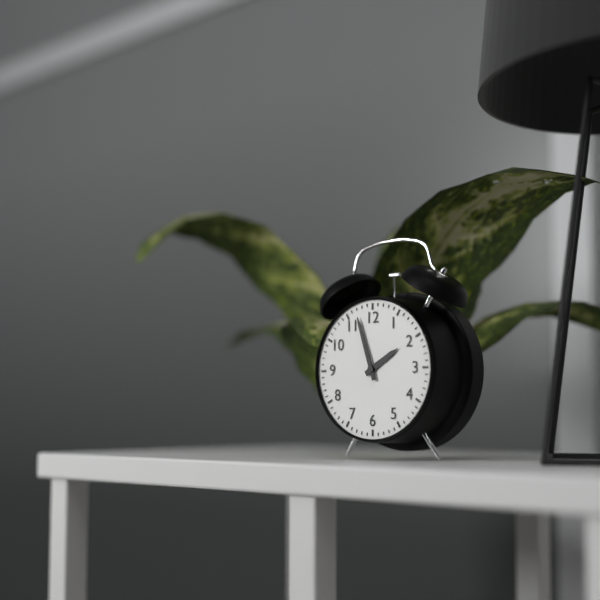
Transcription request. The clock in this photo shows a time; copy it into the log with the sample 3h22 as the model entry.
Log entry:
1h57
